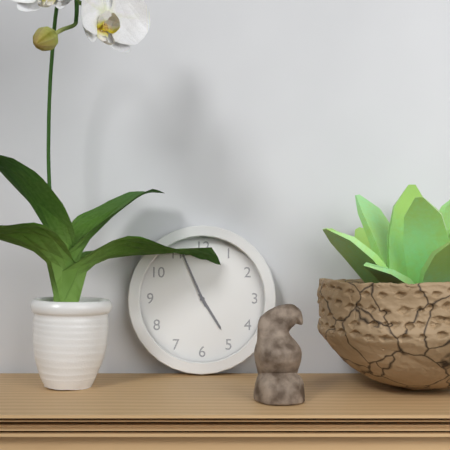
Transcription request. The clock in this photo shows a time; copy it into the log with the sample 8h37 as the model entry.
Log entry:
4h56
